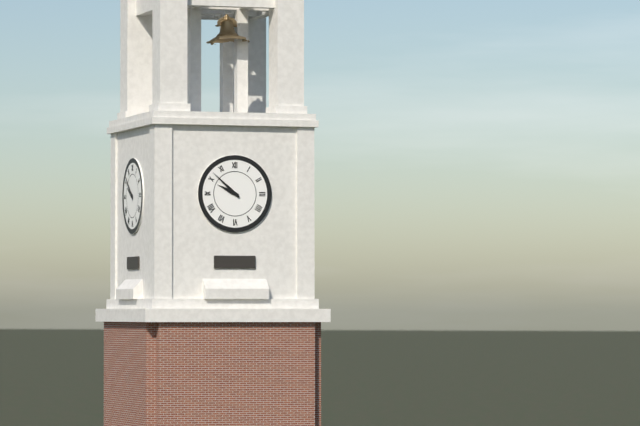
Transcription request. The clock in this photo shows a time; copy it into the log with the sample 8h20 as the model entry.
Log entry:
9h52
